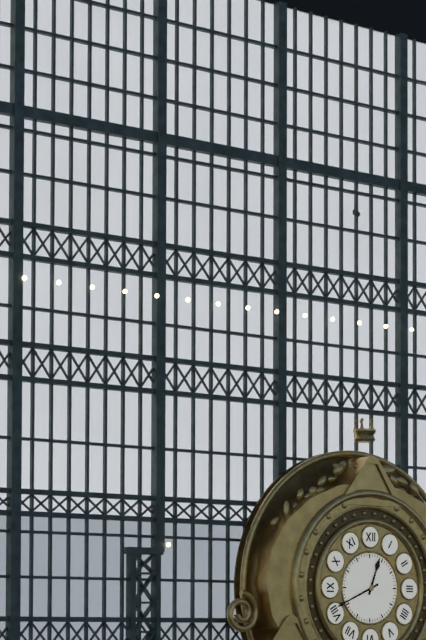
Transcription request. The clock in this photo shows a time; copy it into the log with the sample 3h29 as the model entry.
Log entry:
12h41
